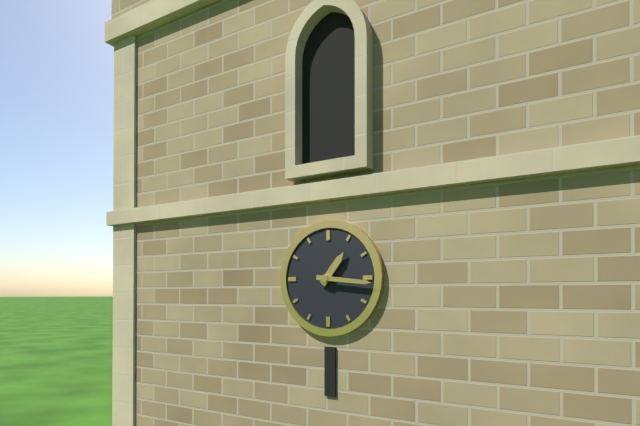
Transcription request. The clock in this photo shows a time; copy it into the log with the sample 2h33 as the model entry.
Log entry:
1h16
